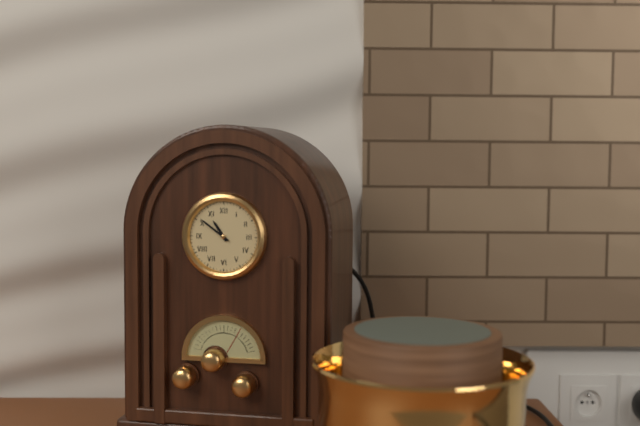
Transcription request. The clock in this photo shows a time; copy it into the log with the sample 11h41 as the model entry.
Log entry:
10h51
